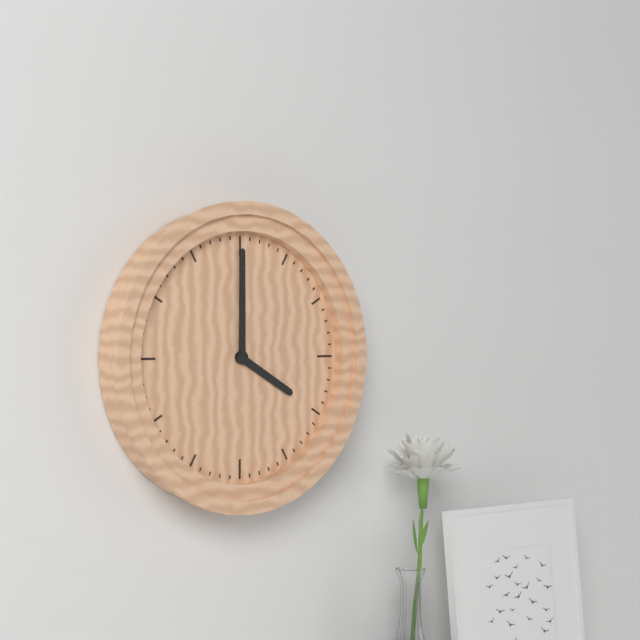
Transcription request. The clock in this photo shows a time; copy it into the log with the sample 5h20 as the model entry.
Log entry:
4h00
